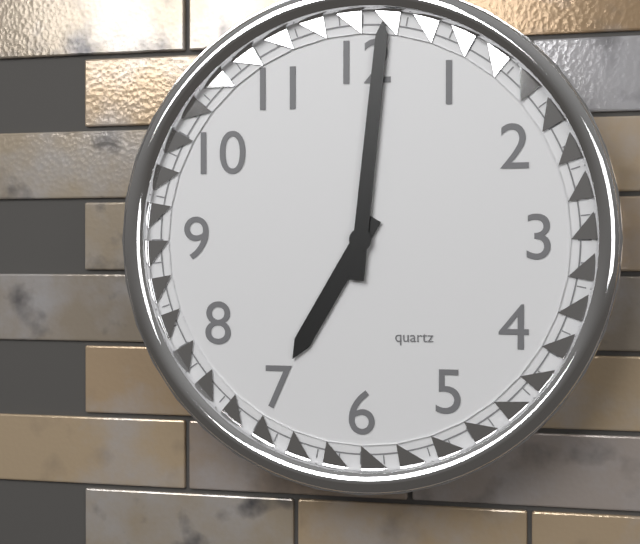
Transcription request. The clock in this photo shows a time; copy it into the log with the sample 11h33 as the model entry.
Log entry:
7h01
